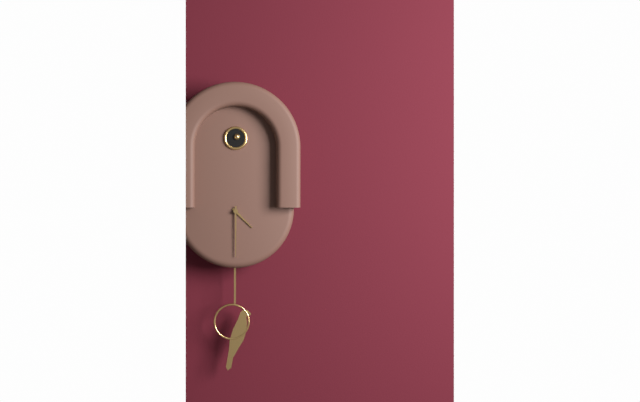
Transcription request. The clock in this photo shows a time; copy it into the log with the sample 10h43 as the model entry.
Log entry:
4h30
